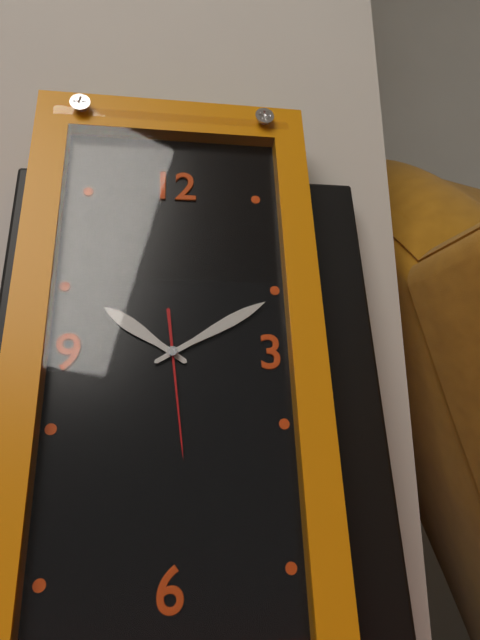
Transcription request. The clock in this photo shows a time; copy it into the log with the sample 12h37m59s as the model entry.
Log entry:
10h10m29s
